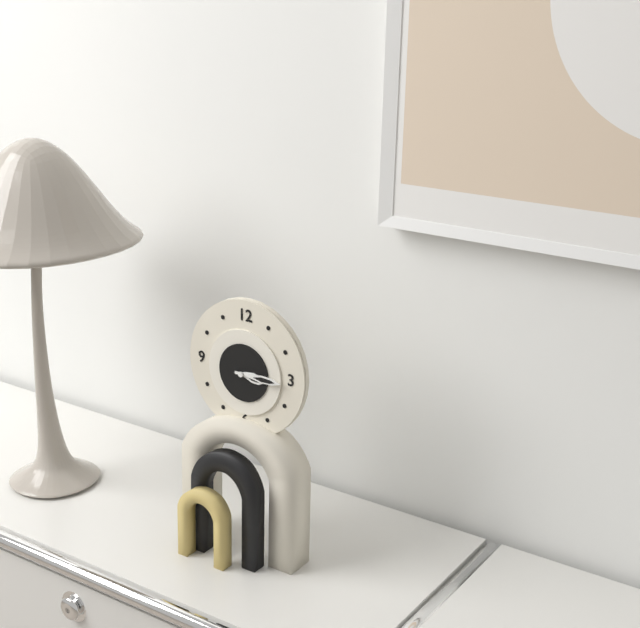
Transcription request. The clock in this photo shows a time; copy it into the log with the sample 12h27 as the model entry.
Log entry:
3h15
